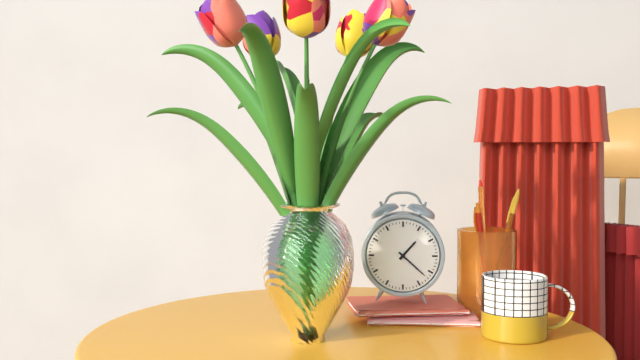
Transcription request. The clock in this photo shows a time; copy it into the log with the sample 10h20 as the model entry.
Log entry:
1h22
